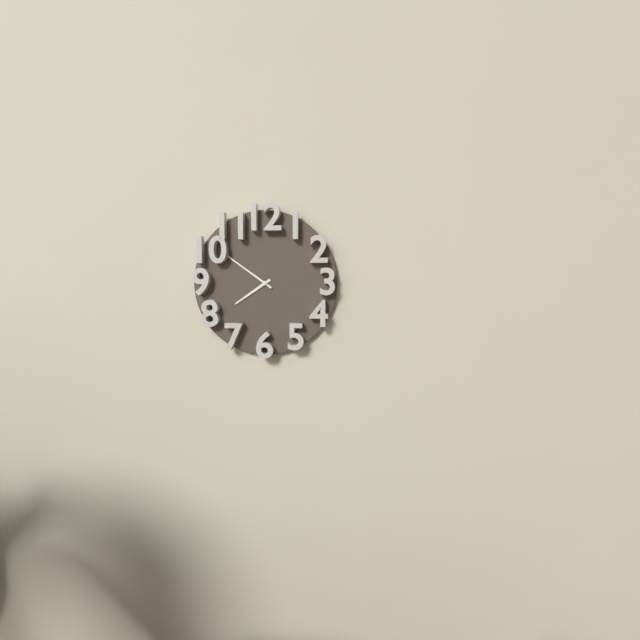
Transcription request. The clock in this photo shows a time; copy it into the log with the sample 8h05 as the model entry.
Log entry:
7h51
